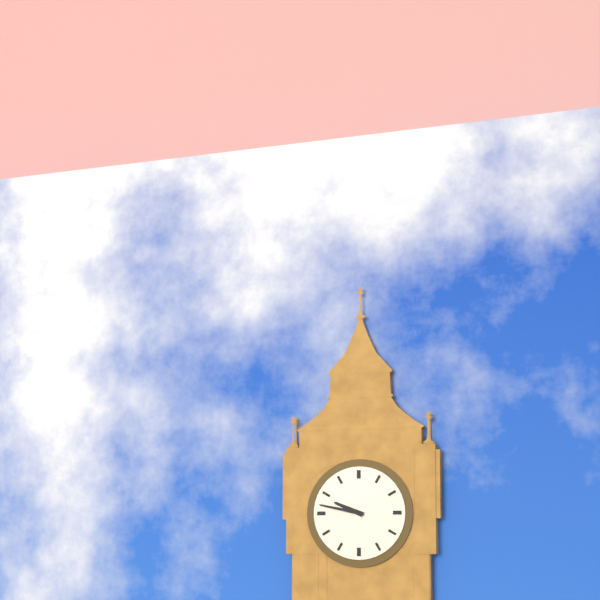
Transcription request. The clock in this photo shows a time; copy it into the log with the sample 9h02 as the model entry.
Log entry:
9h47
